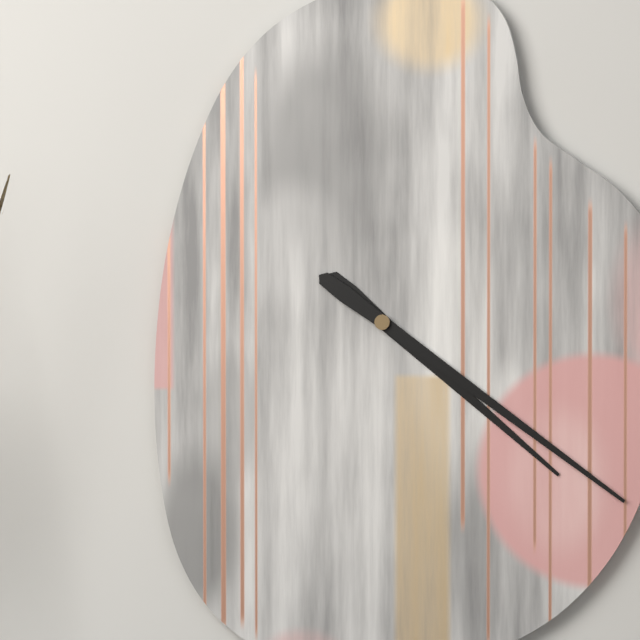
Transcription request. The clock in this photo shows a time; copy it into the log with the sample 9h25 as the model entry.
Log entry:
4h21
